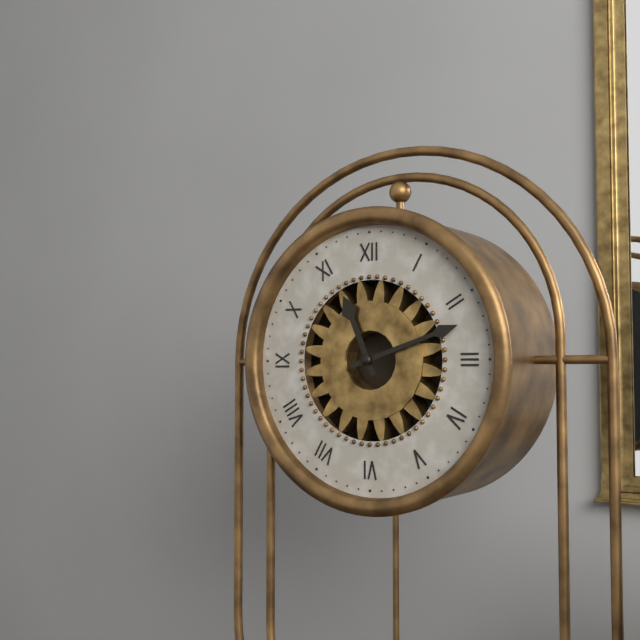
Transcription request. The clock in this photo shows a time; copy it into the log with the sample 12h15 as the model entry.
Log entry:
11h12
